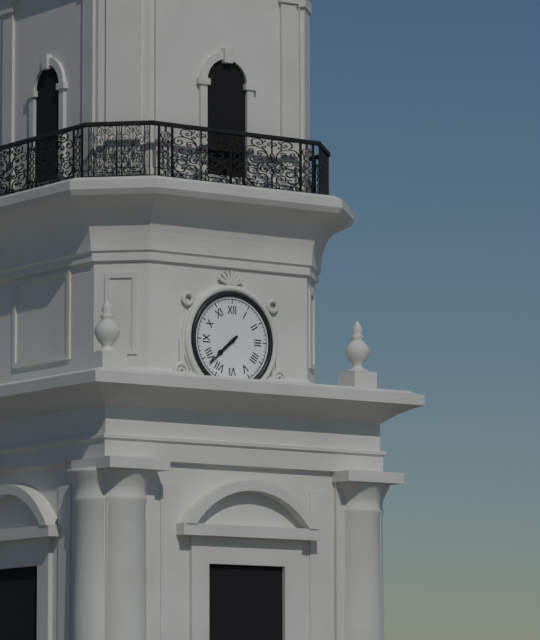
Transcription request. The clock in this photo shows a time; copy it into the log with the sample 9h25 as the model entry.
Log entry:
7h38
